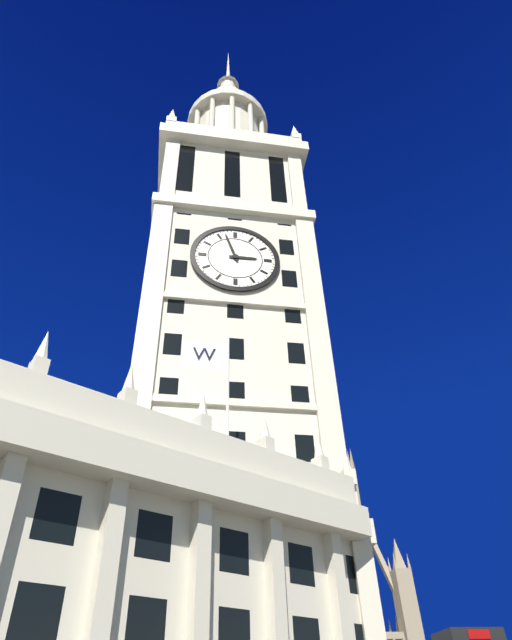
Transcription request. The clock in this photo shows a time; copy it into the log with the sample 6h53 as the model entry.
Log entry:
2h57
